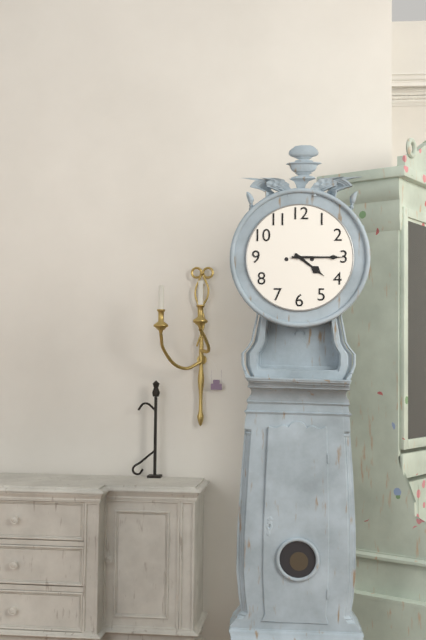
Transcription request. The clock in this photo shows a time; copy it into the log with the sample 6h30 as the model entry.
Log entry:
4h15
